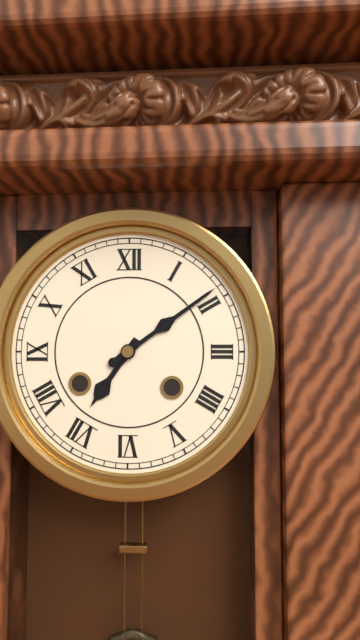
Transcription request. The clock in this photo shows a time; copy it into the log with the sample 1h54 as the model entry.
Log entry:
7h09
